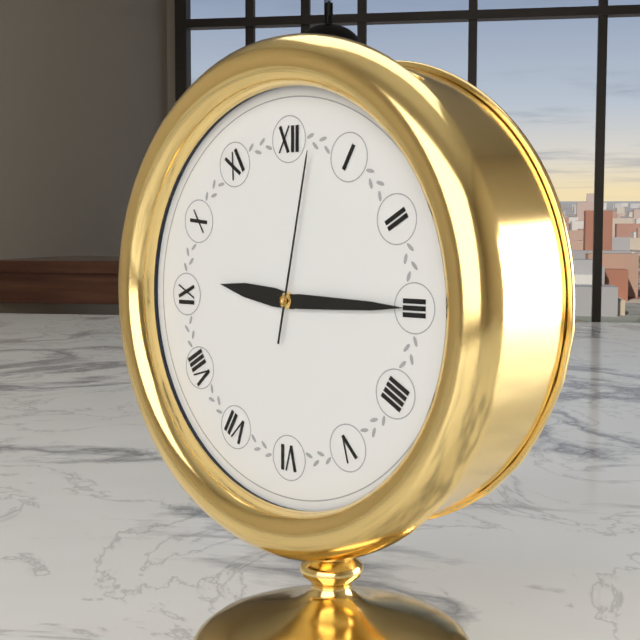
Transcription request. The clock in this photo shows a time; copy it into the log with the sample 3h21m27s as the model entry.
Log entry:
9h15m02s
